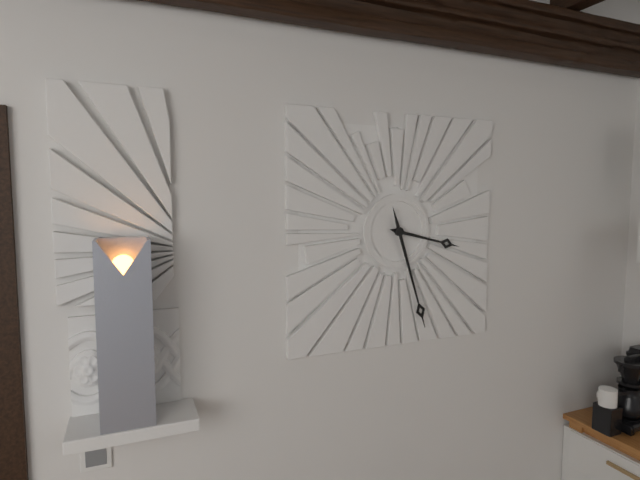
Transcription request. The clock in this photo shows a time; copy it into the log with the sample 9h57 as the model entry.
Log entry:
3h27
